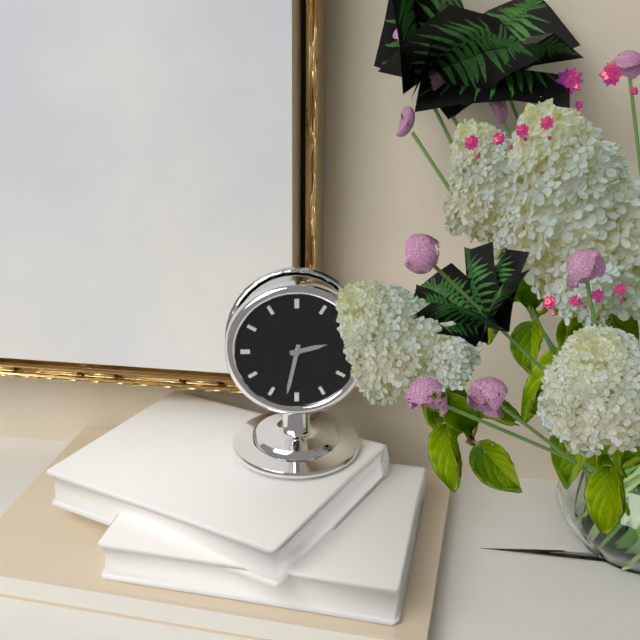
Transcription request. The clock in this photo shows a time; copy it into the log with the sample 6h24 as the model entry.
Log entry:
2h32
